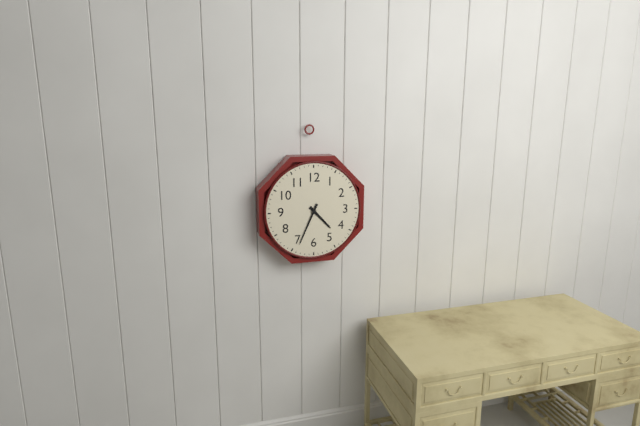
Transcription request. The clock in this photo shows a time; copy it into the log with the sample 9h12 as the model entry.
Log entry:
4h34
